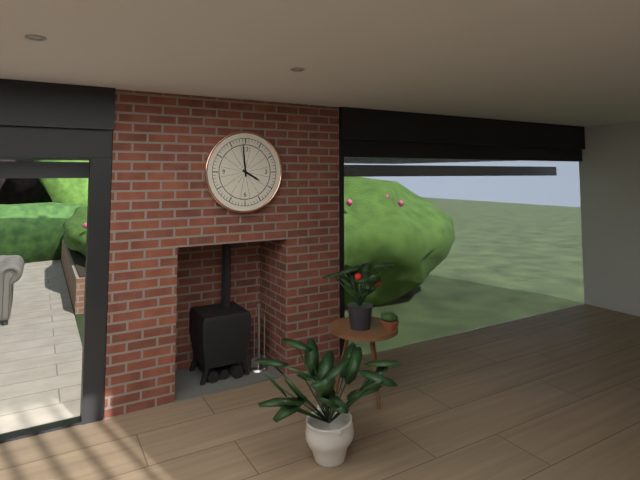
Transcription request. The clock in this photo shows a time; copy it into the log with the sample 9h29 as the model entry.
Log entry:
3h59
